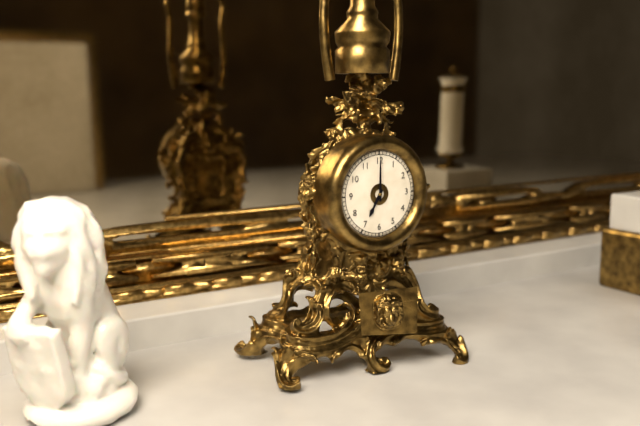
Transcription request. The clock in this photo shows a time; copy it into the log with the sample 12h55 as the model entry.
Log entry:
7h00
